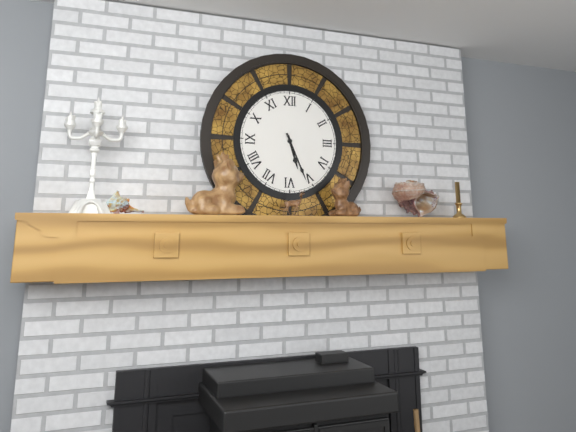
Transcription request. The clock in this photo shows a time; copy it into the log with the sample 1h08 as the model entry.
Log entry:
5h26
